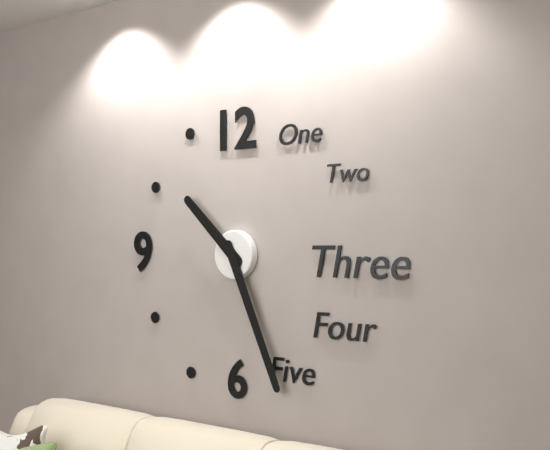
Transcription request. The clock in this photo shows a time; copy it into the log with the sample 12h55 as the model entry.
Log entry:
10h26
